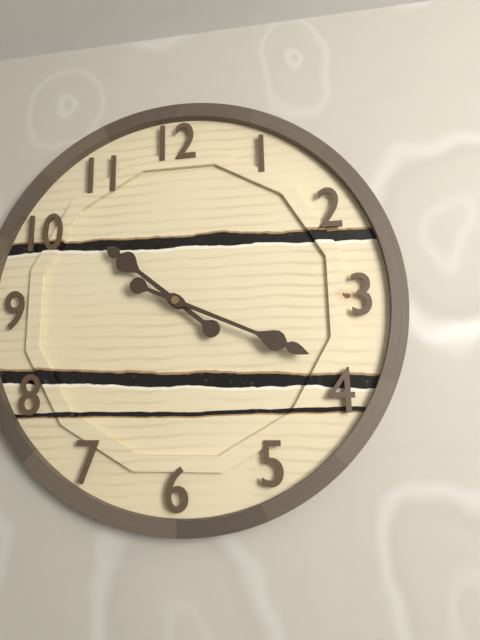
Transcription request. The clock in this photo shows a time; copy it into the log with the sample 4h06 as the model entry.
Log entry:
10h19
